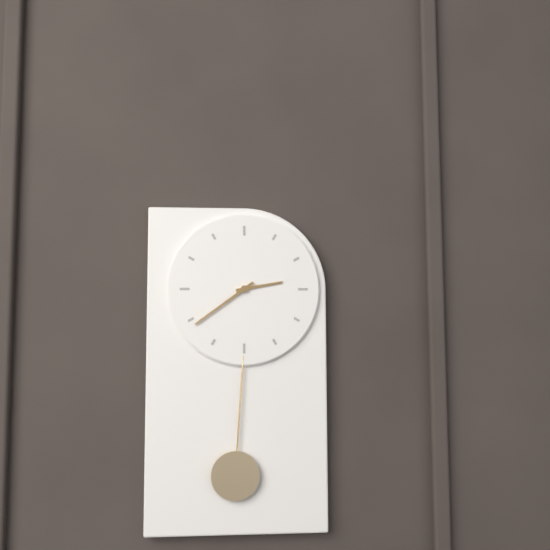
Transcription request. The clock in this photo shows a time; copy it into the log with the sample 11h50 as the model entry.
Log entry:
2h39
